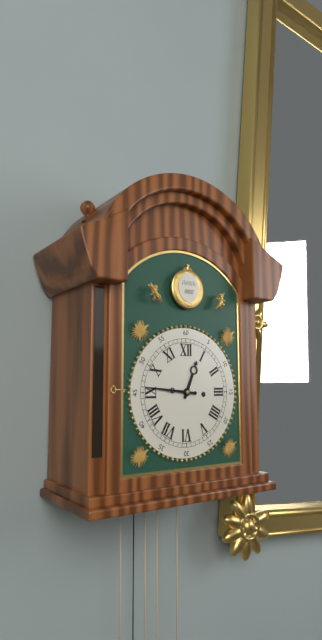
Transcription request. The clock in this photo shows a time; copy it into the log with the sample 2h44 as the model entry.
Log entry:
12h46
